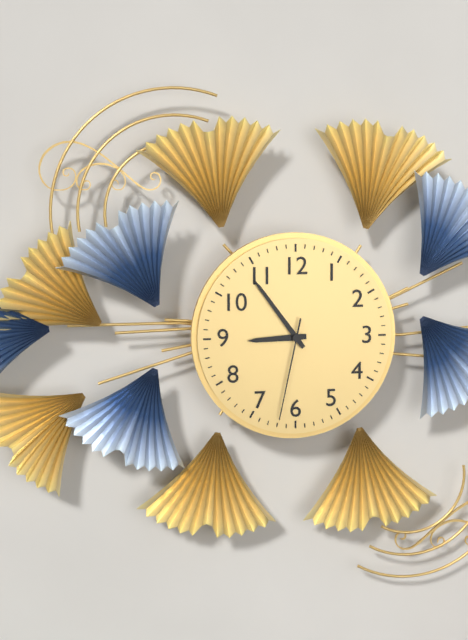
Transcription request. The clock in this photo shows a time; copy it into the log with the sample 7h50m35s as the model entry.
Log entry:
8h54m32s
